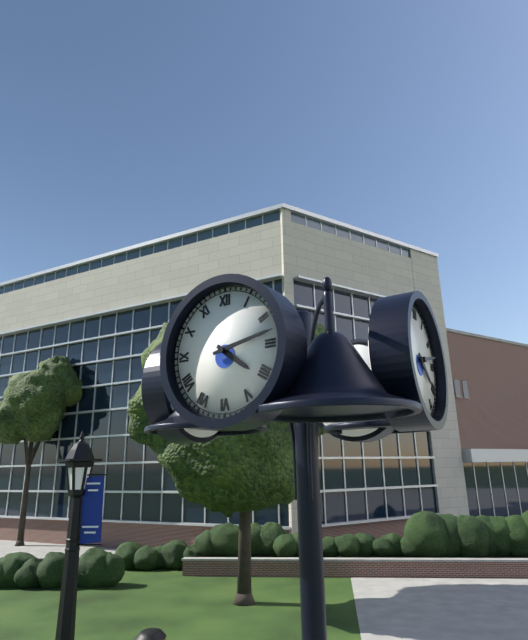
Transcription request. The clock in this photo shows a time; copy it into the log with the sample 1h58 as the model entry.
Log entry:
4h13
